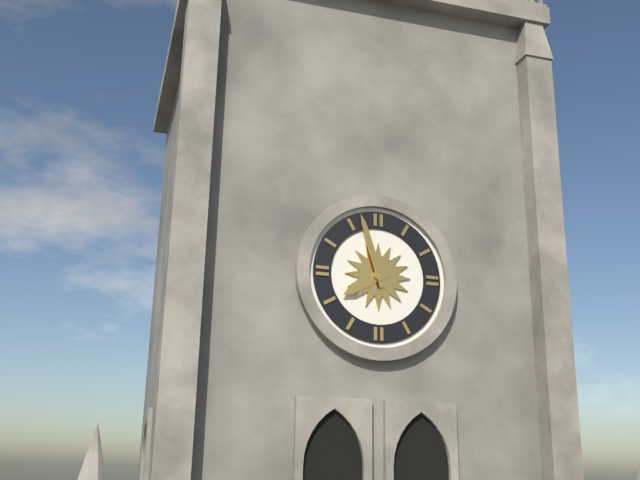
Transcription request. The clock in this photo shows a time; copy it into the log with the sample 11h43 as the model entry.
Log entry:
7h57
